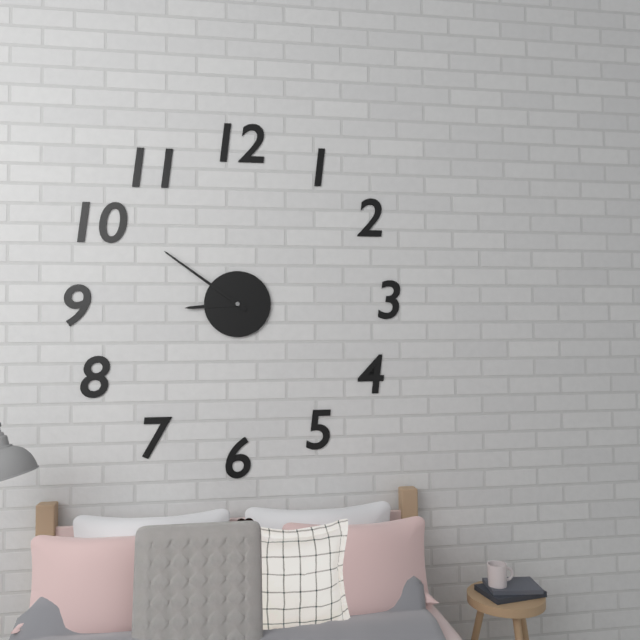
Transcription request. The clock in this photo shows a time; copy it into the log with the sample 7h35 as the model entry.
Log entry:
8h51
